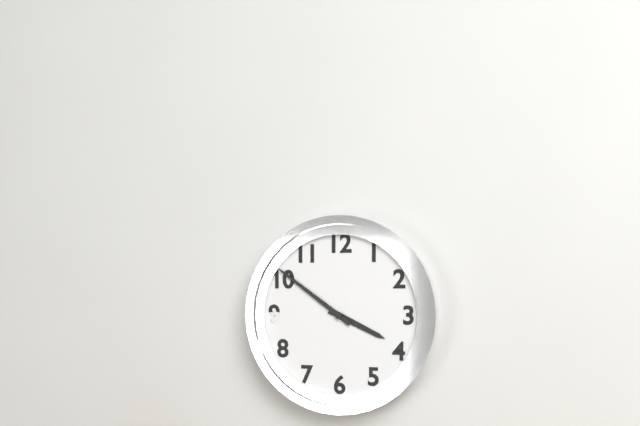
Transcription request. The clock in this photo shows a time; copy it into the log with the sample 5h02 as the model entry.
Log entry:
3h51
